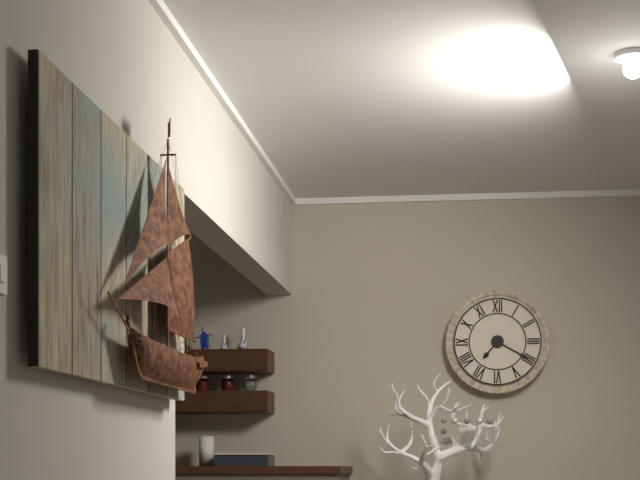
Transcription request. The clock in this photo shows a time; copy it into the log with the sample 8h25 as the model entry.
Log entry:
7h20
